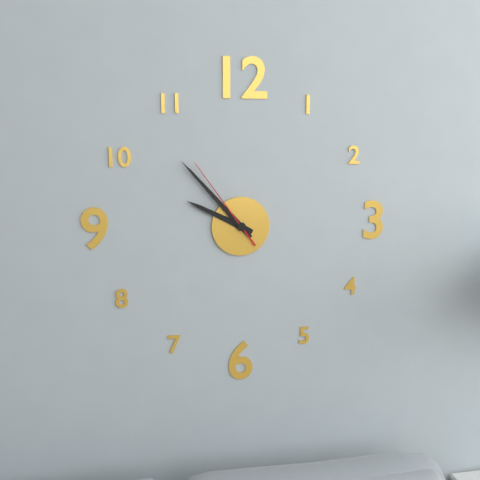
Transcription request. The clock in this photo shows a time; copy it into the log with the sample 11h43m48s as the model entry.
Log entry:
9h53m54s
